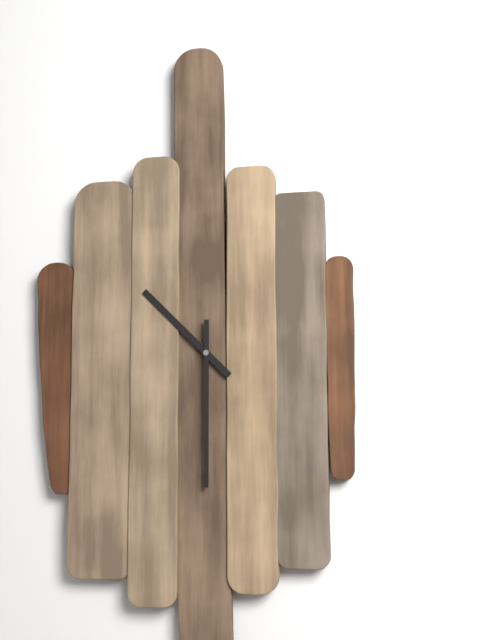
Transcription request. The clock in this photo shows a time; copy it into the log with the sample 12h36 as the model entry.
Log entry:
10h30
